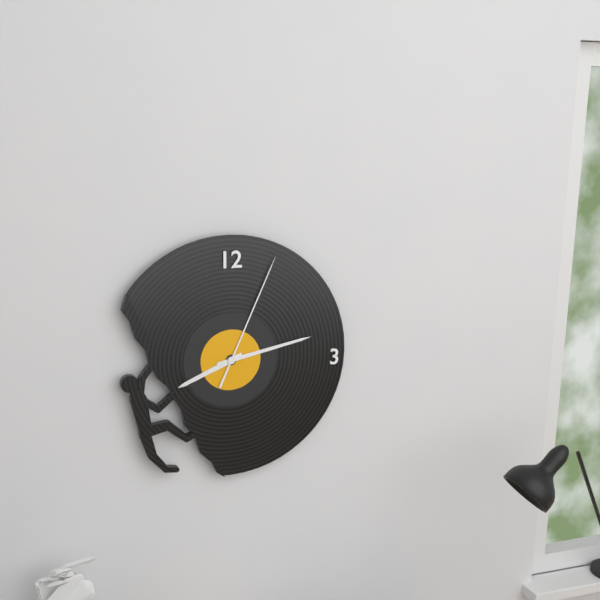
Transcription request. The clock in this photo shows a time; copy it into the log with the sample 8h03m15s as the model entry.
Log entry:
8h13m04s
